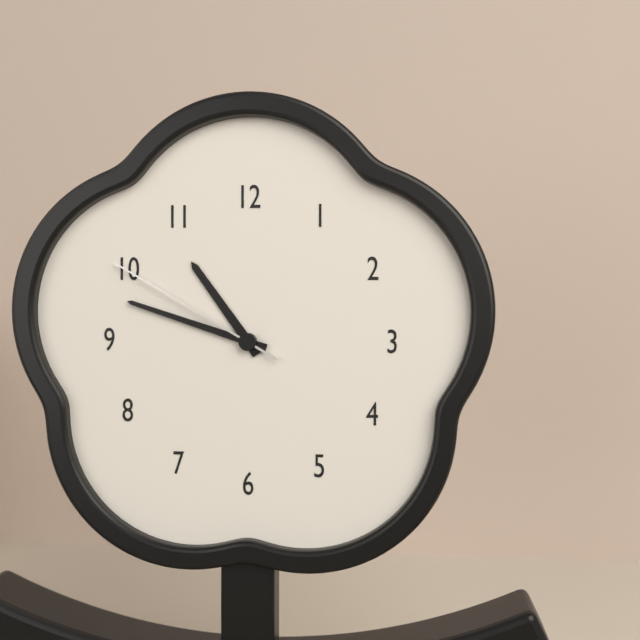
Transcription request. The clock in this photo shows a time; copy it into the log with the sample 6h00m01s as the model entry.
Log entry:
10h48m50s
